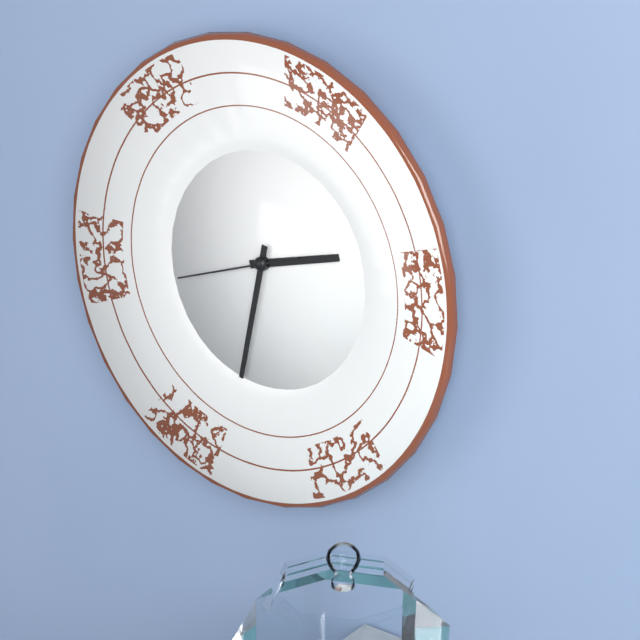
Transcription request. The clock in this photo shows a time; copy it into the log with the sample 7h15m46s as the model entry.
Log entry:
2h32m42s
